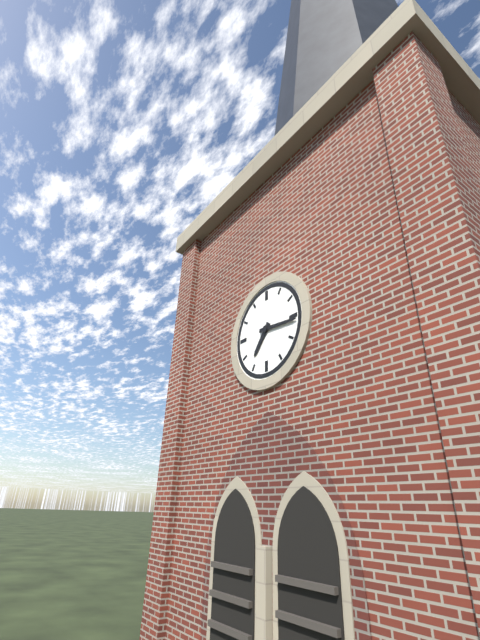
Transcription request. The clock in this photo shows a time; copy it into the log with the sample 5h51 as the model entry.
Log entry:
7h16
